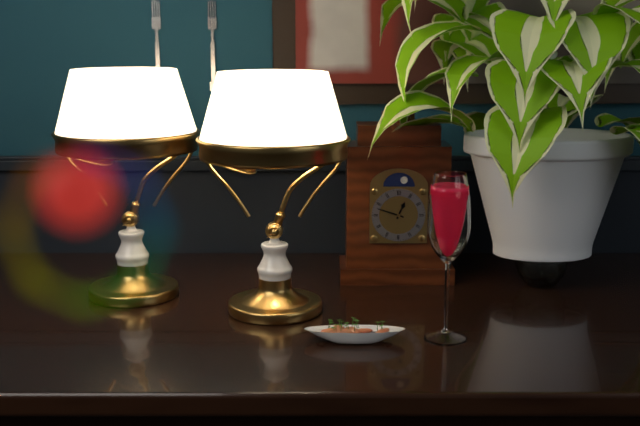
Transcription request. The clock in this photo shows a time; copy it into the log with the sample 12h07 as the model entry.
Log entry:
12h48
